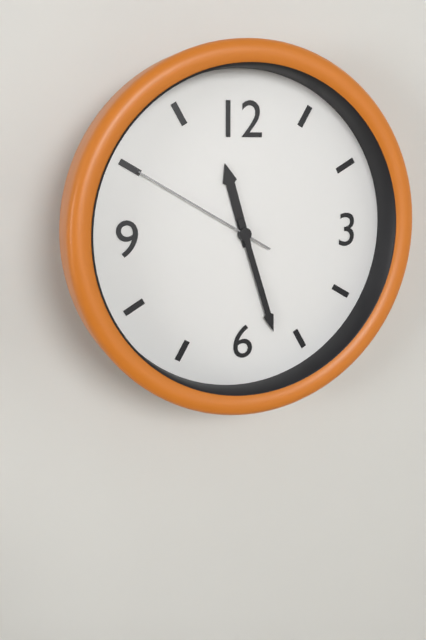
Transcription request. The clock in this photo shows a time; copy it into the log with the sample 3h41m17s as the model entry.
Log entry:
11h27m50s
